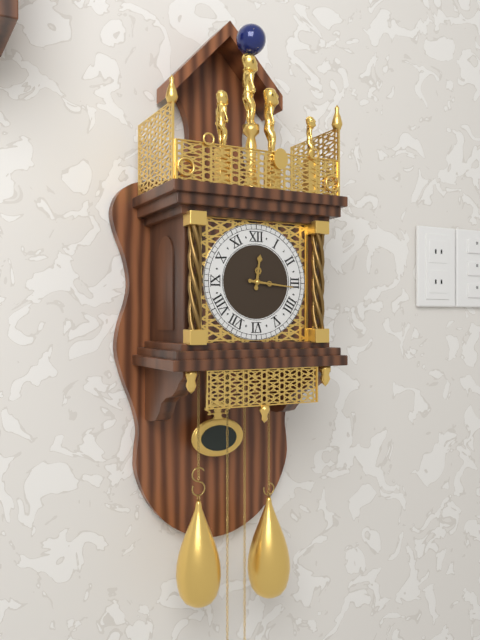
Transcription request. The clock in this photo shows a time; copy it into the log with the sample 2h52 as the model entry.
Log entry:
12h16
